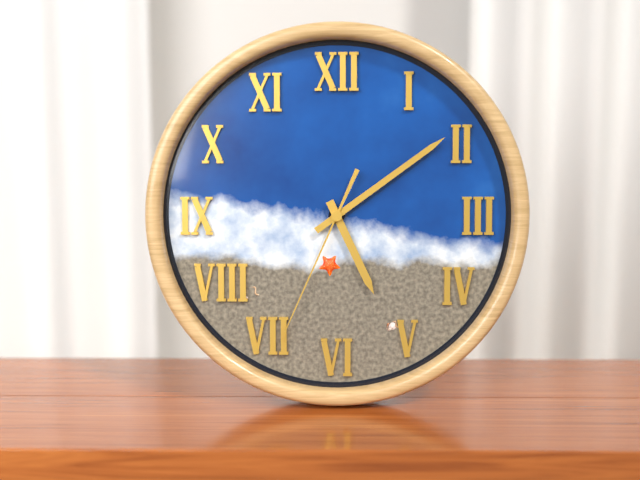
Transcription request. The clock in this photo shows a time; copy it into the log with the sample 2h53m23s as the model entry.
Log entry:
5h09m34s
